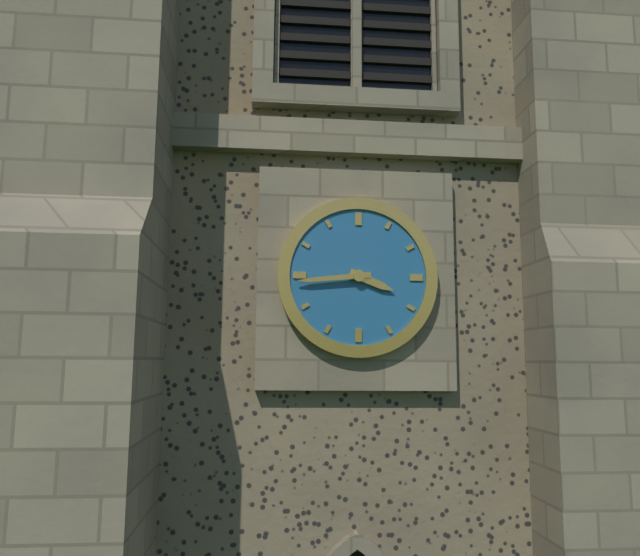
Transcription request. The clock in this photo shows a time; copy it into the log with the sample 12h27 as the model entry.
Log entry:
3h44
